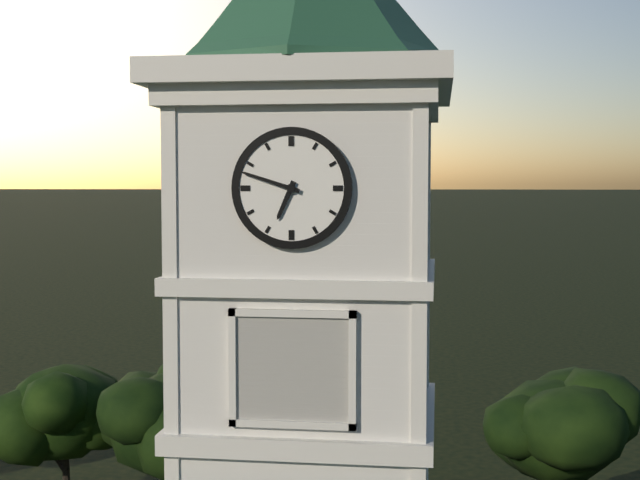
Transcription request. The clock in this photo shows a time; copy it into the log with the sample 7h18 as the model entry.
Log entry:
6h48
